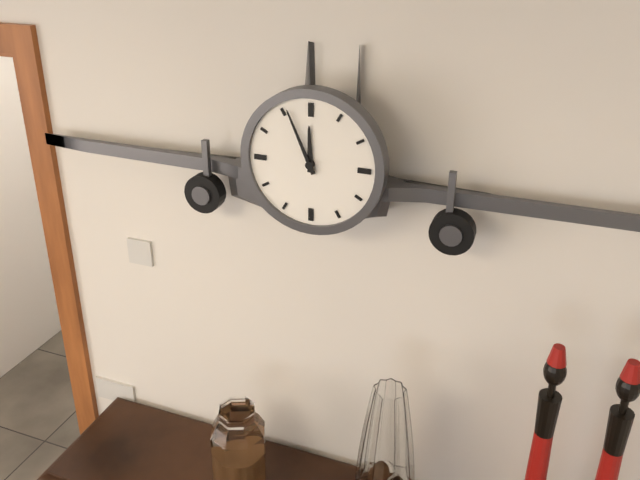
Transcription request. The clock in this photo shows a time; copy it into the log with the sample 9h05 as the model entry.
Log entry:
11h56
